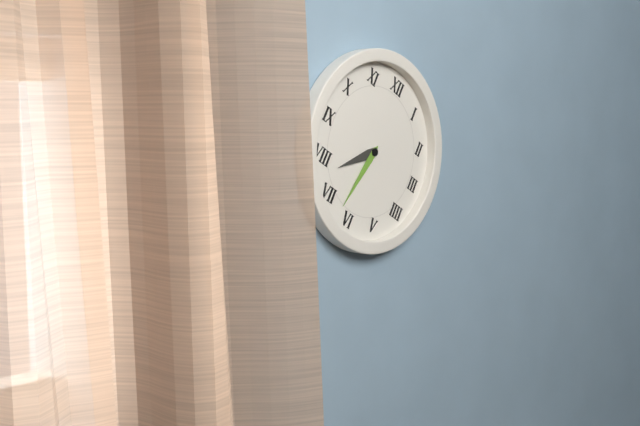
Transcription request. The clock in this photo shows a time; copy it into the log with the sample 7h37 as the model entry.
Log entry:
7h32
